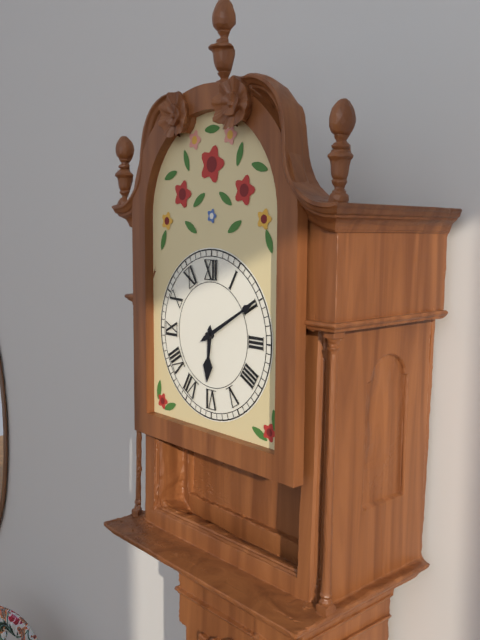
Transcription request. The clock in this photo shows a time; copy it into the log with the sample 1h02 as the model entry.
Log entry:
6h10
